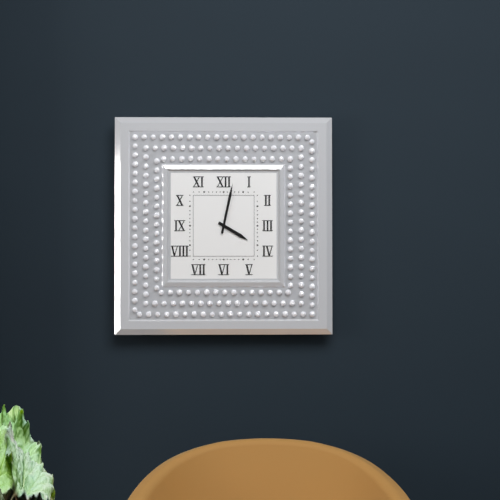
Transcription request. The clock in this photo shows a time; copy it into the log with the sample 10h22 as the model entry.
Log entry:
4h02
